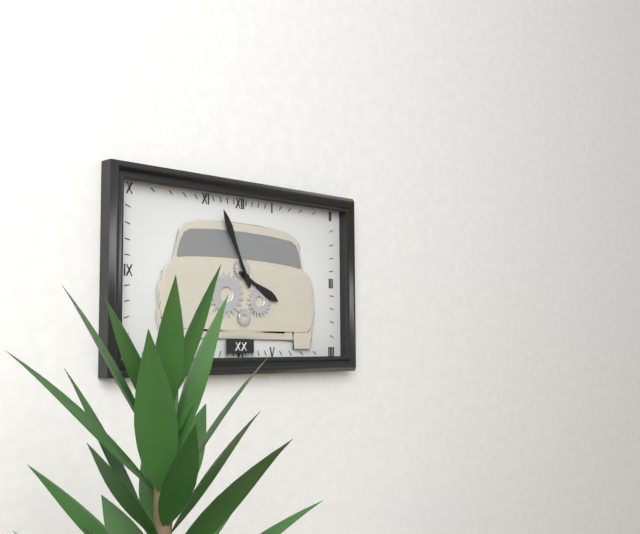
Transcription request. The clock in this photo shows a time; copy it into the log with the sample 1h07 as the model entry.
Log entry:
3h56
